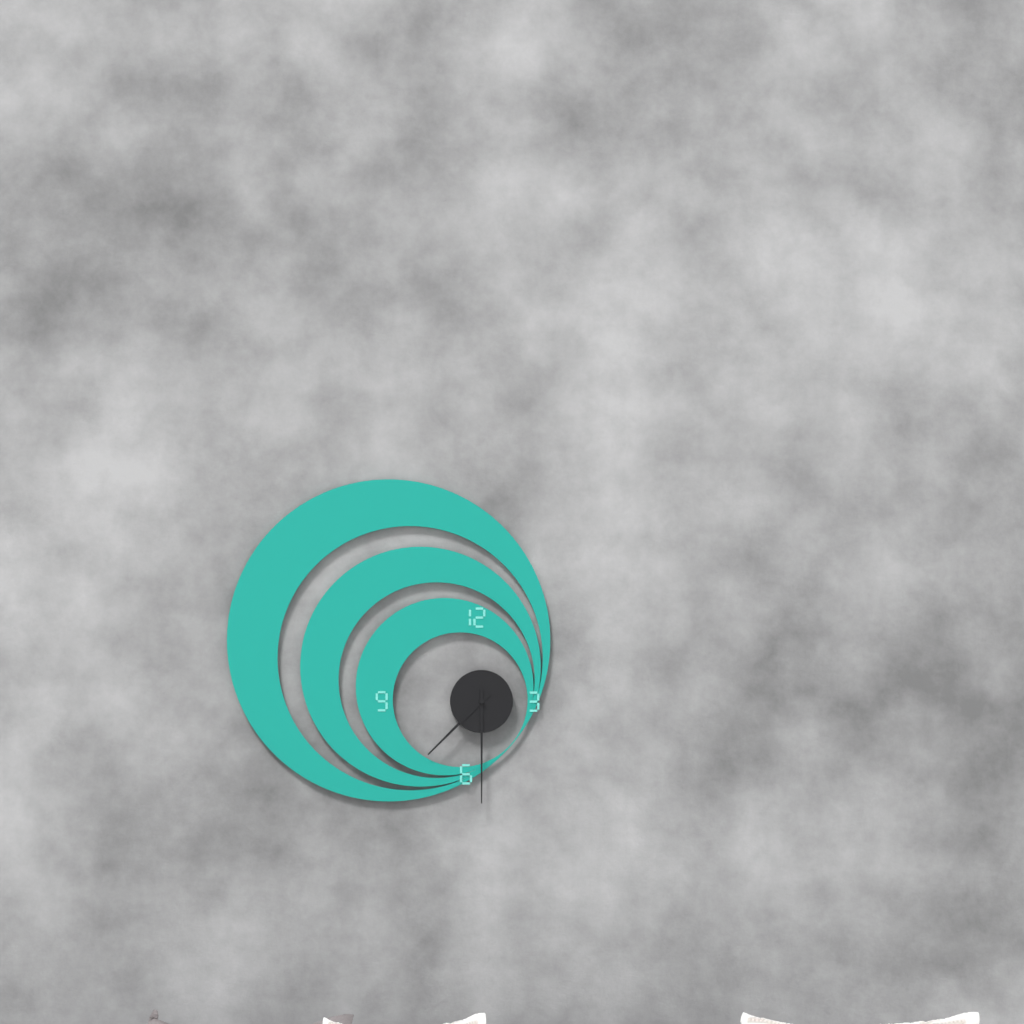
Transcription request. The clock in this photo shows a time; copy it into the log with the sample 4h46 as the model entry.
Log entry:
7h30
